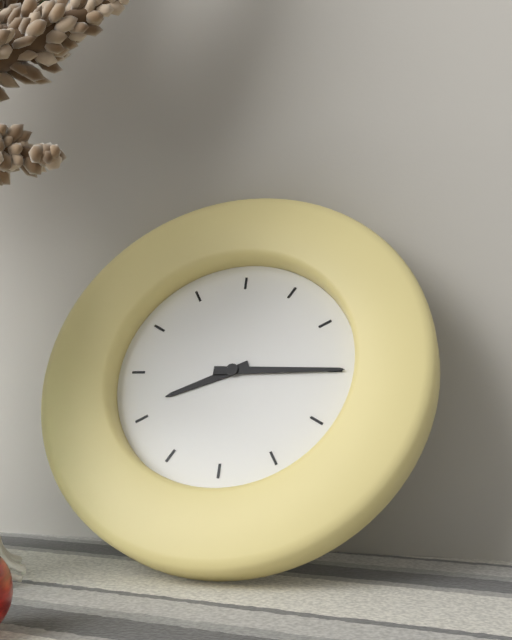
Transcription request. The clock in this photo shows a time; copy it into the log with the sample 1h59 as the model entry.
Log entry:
8h15
